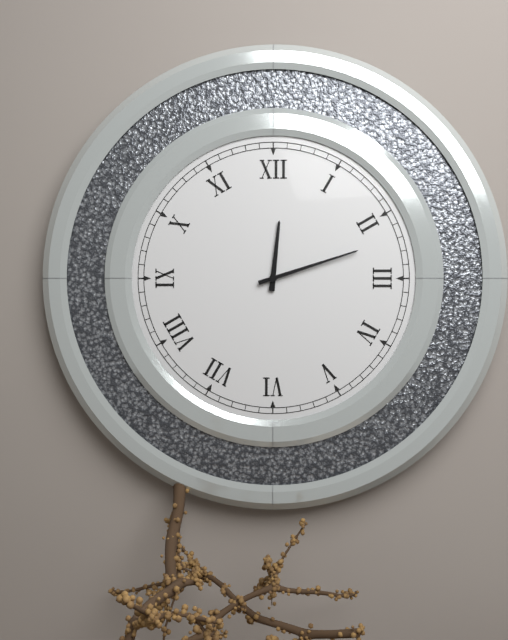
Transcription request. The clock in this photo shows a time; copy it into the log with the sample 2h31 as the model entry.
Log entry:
12h12
